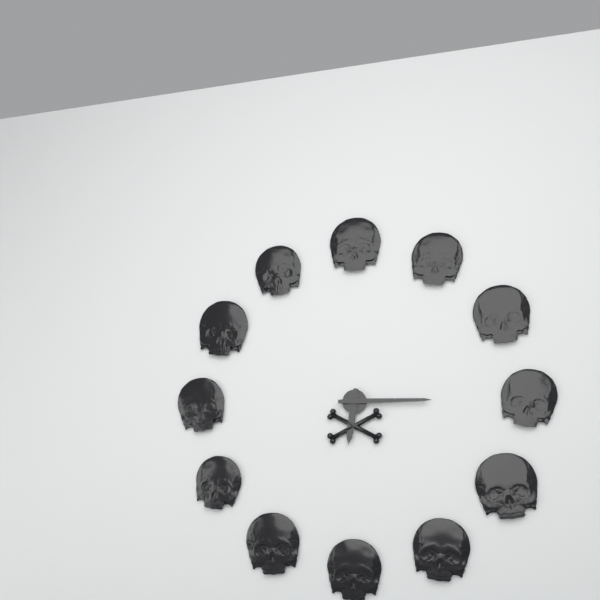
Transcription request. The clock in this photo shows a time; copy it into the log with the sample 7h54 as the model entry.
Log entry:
6h15
